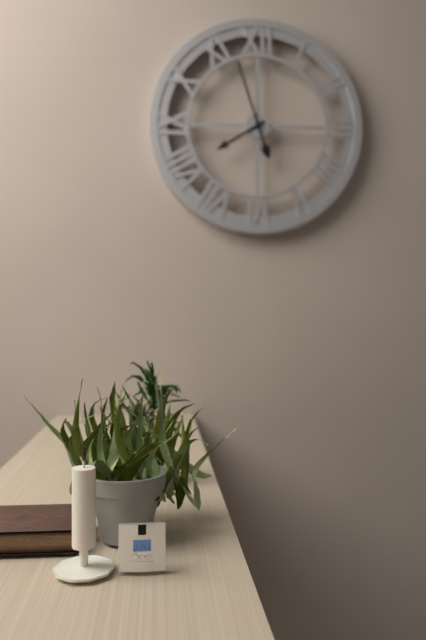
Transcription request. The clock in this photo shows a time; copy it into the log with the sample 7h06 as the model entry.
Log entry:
7h57
